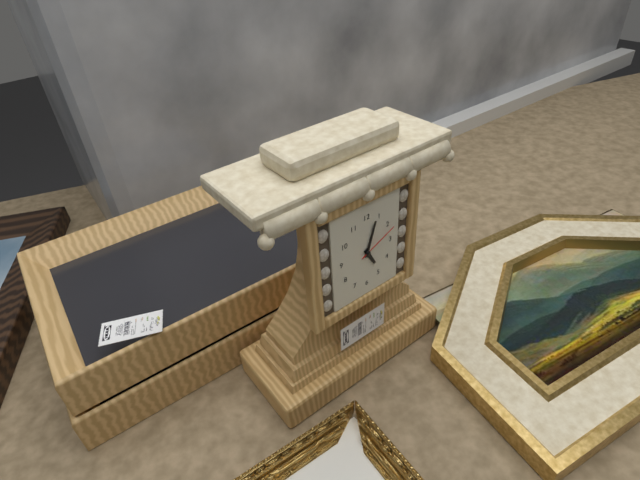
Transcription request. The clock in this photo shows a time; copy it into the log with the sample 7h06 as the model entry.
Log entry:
5h03
